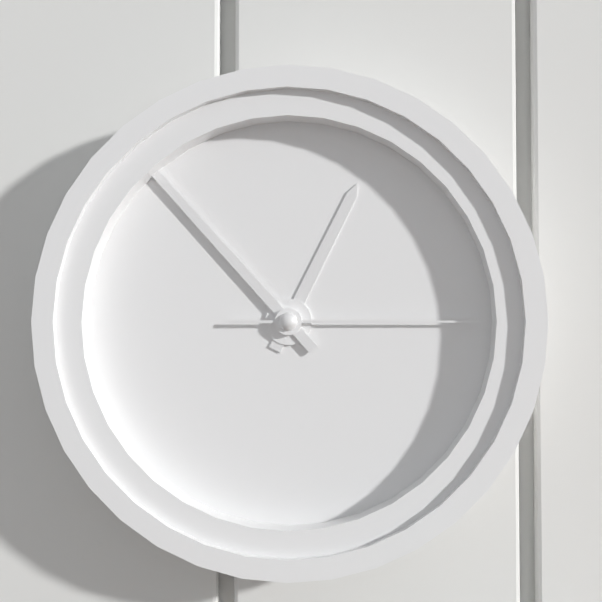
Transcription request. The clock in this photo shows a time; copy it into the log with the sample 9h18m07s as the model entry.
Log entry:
12h53m15s
